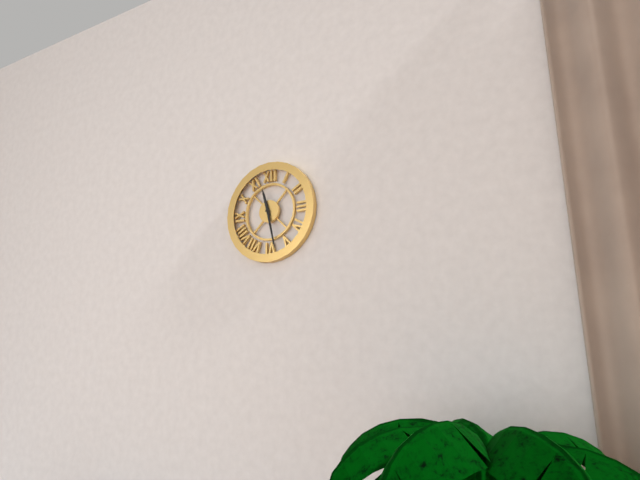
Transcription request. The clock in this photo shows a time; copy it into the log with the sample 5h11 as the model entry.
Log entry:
11h28
